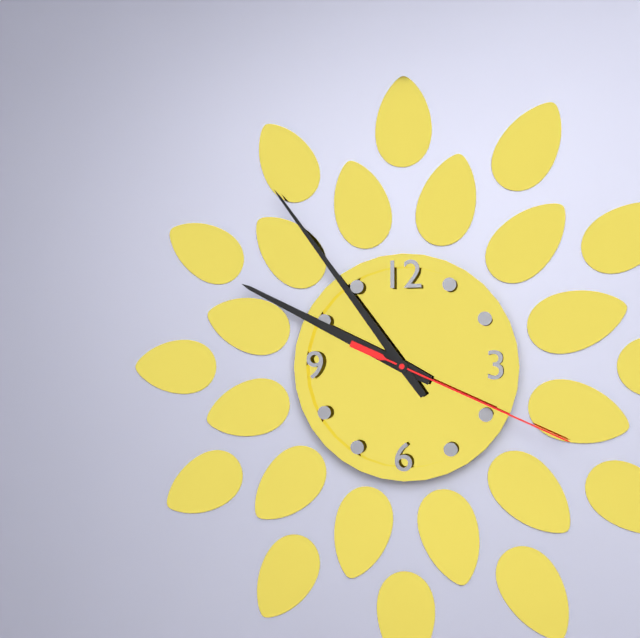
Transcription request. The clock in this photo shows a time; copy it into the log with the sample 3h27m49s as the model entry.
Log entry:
9h54m19s
